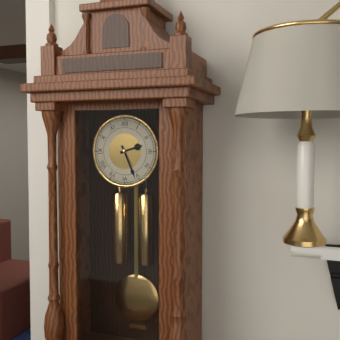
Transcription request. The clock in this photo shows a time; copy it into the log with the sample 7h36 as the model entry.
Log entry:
2h26
